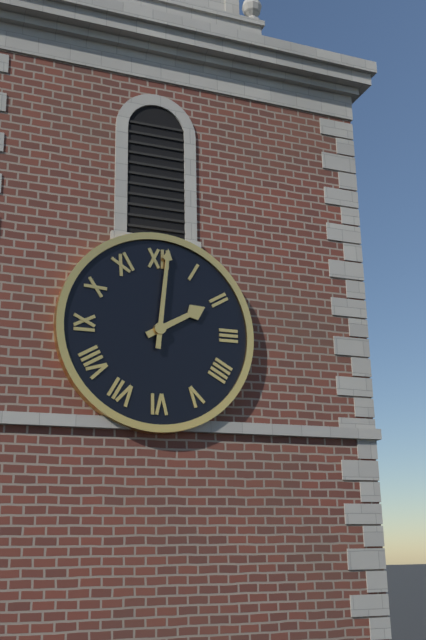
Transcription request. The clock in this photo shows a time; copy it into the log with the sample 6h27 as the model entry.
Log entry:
2h01
